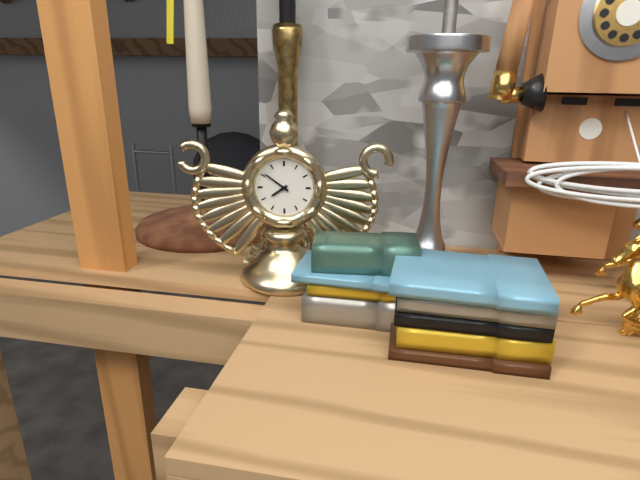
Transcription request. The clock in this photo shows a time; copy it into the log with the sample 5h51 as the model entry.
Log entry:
7h51
